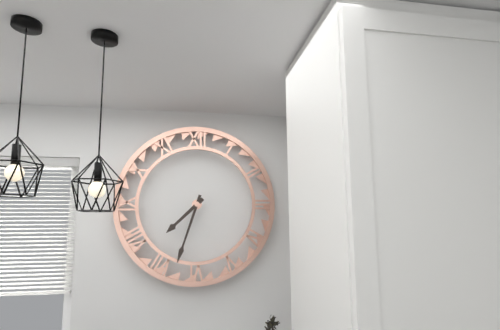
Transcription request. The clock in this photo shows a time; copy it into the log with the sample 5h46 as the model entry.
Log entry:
7h33
